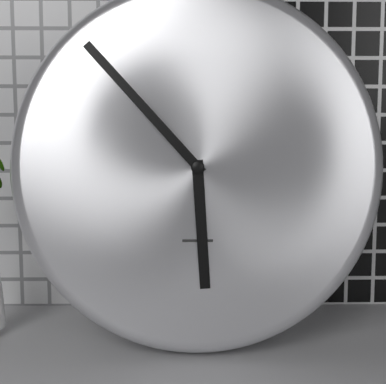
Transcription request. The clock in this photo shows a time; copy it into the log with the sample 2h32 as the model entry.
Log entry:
5h53
